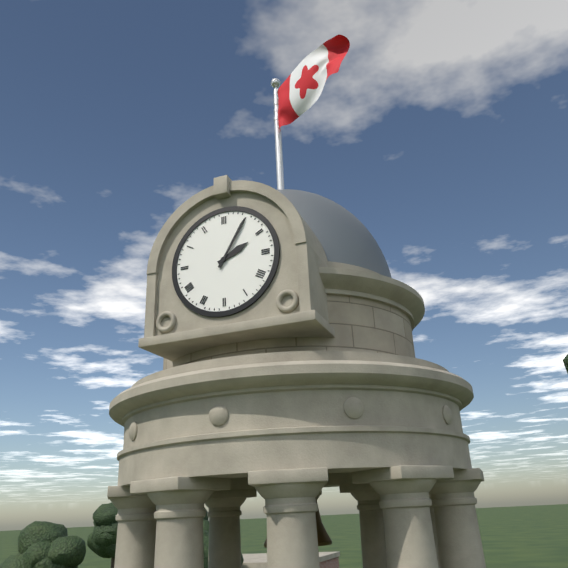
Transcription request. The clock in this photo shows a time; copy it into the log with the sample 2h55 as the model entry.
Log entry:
2h05
